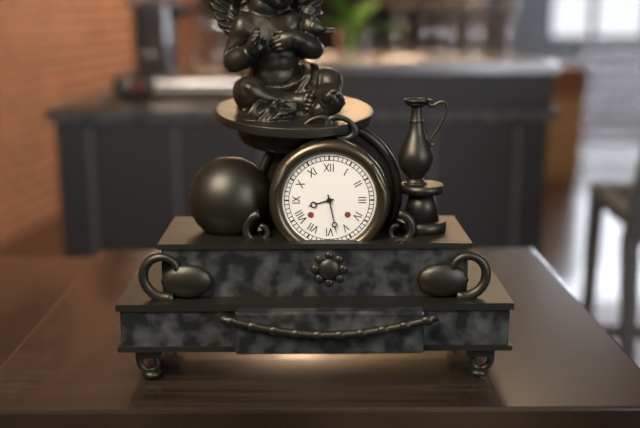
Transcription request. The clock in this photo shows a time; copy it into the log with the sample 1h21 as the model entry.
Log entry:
8h28
